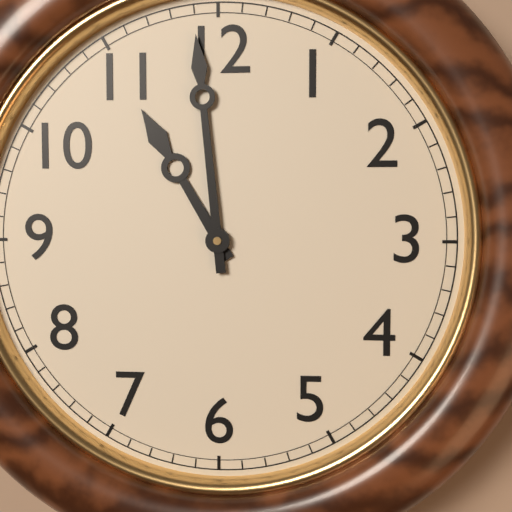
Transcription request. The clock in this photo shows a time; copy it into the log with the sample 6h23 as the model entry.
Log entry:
10h59
